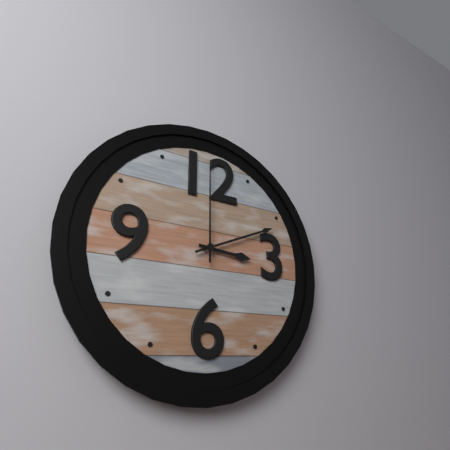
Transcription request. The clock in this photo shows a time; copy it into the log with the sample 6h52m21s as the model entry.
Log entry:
3h11m00s
